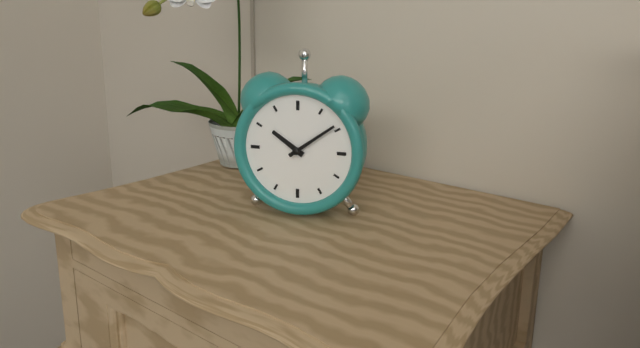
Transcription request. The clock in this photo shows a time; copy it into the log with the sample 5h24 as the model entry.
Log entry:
10h09
